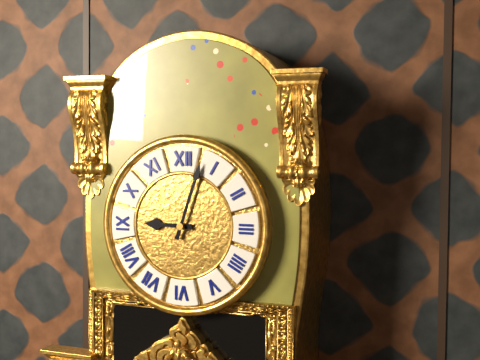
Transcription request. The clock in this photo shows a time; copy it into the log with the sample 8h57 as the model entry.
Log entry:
9h03
